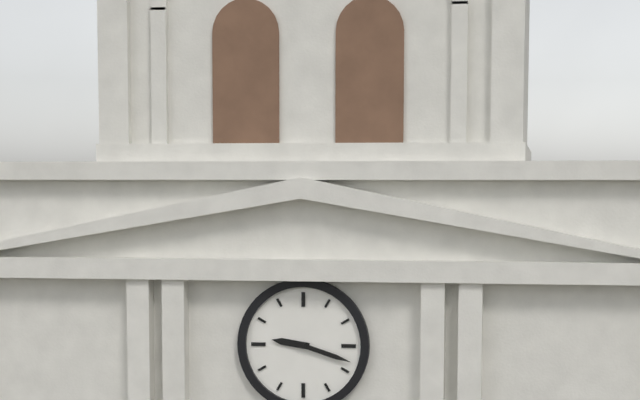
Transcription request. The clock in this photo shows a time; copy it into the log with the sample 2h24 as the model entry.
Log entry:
9h18
